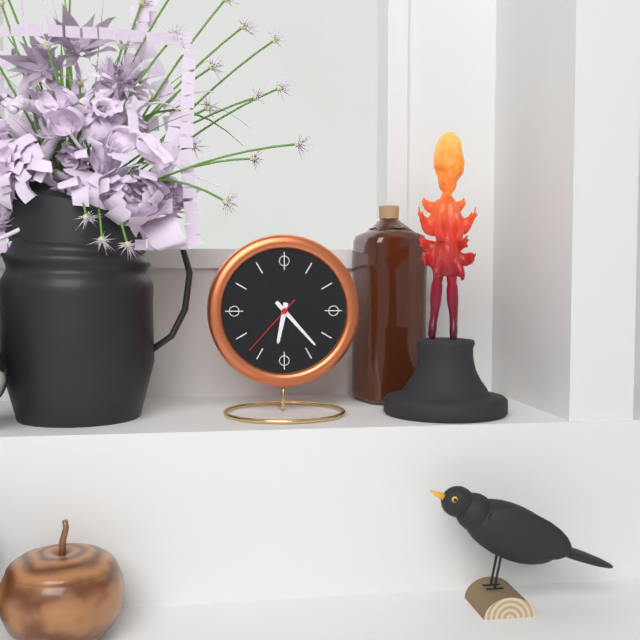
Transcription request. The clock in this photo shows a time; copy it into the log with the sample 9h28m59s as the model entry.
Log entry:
6h23m37s
